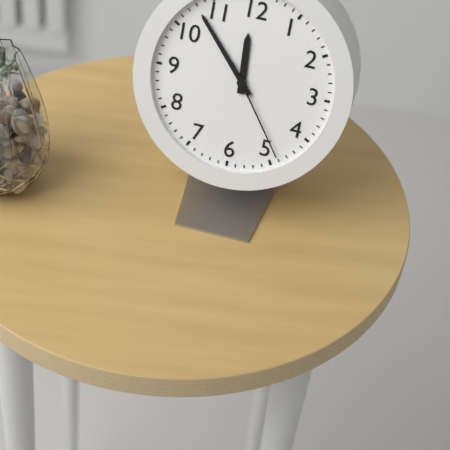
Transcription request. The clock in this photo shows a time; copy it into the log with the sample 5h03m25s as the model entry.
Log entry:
11h53m24s
